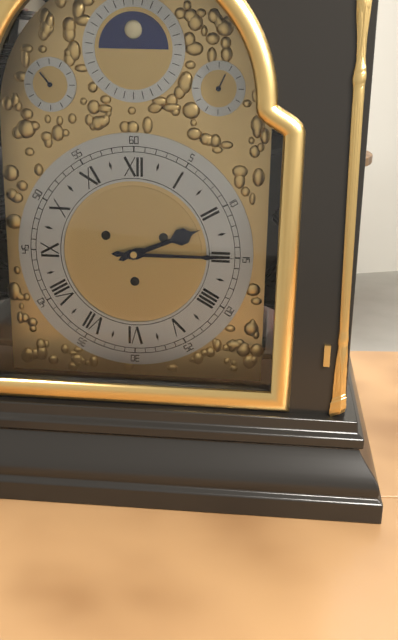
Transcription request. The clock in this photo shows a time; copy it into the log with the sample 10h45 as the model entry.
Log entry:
2h15
